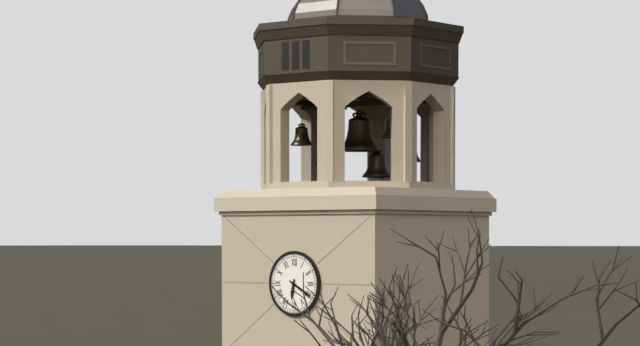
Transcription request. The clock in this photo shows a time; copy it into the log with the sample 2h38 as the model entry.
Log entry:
6h20
